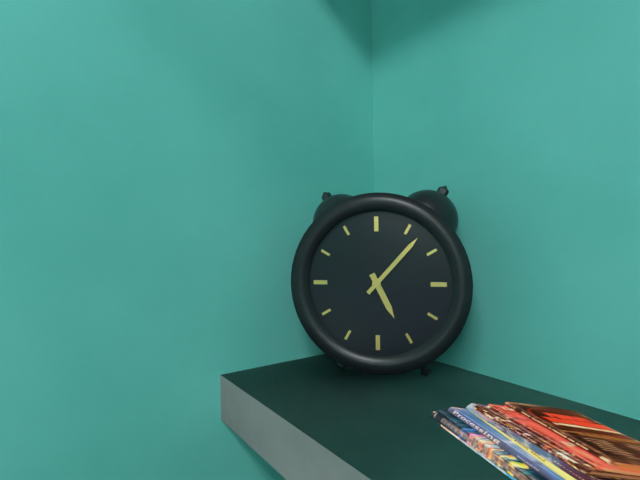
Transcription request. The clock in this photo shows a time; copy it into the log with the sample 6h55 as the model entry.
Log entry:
5h07
